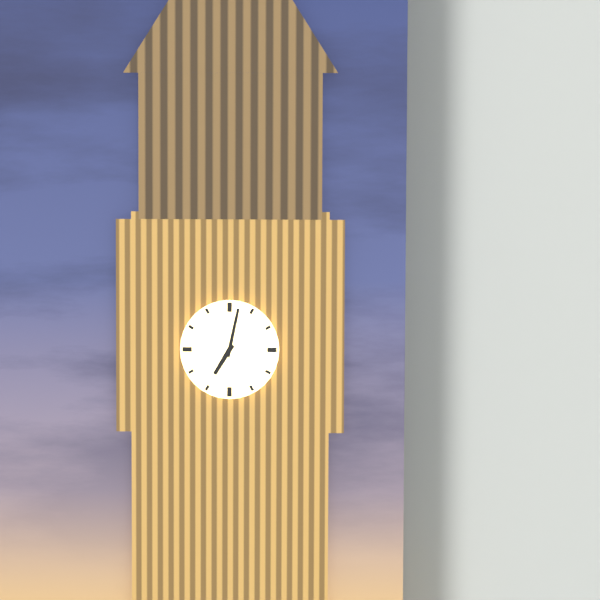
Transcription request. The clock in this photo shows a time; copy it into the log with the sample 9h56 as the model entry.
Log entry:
7h02
